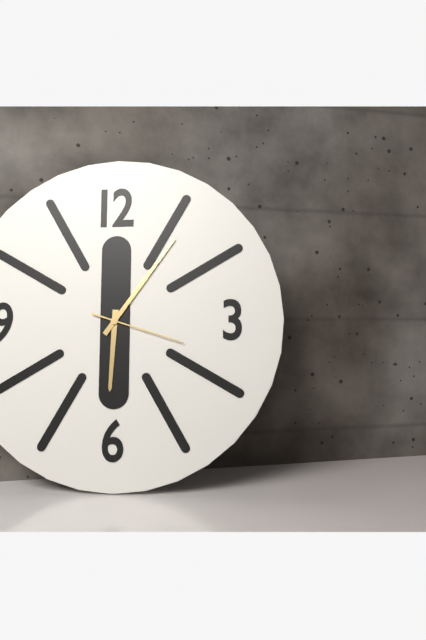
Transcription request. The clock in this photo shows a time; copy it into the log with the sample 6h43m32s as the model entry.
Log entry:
6h06m18s
